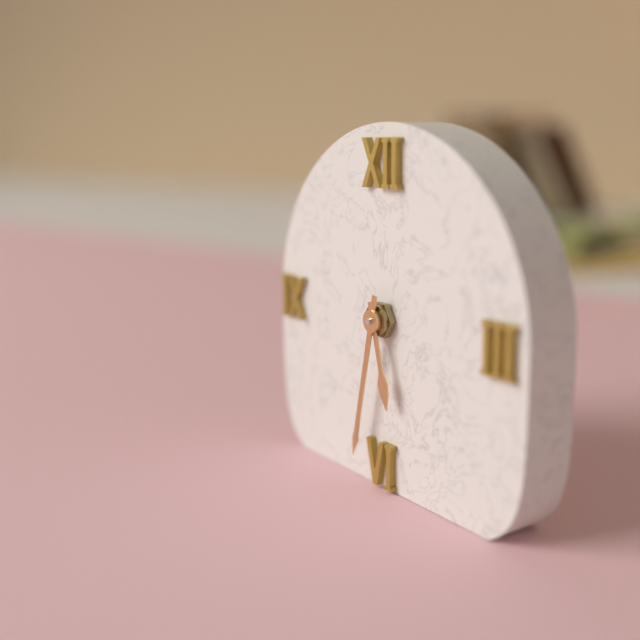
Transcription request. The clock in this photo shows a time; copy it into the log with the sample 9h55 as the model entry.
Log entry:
5h32
